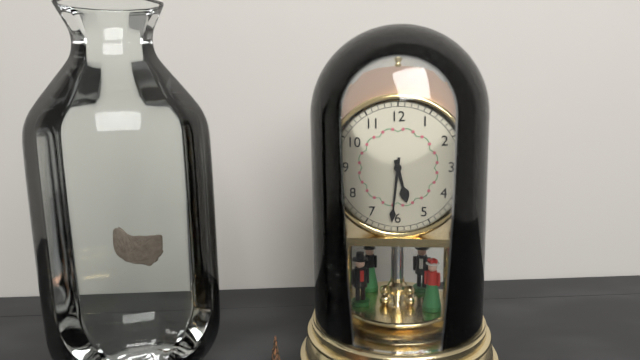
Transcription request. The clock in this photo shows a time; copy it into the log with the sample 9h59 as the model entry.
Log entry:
5h31
